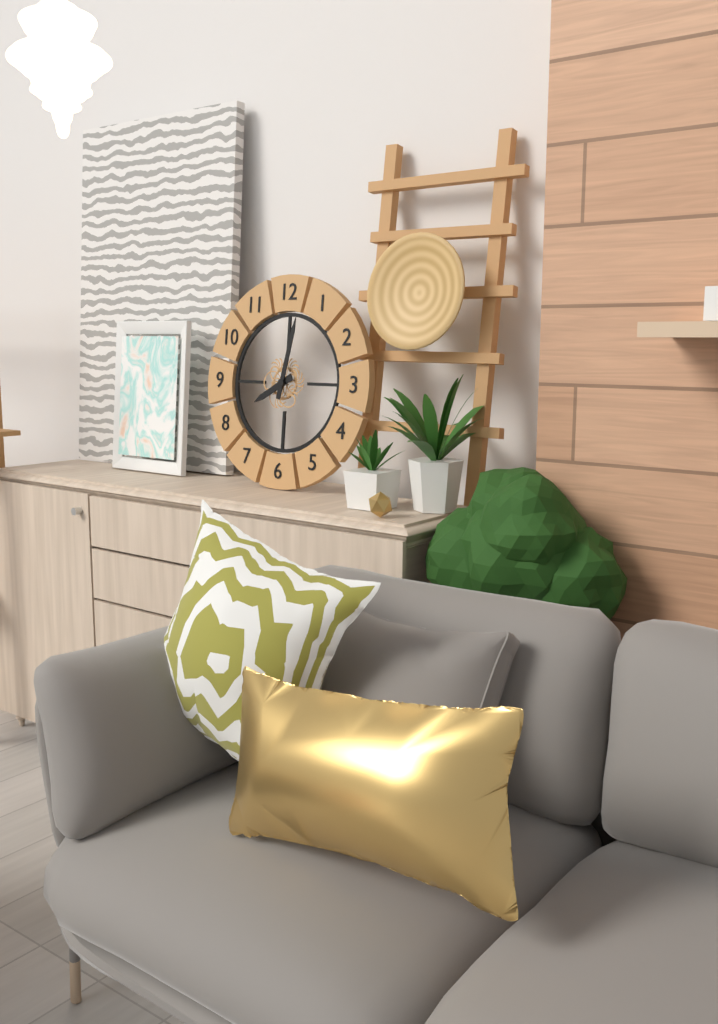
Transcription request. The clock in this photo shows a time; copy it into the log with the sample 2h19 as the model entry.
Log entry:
8h02
